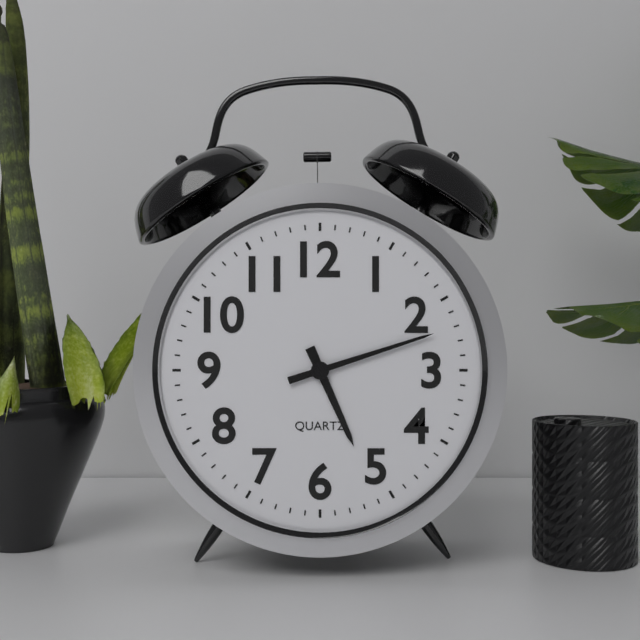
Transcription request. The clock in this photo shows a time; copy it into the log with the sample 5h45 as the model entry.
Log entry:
5h12
